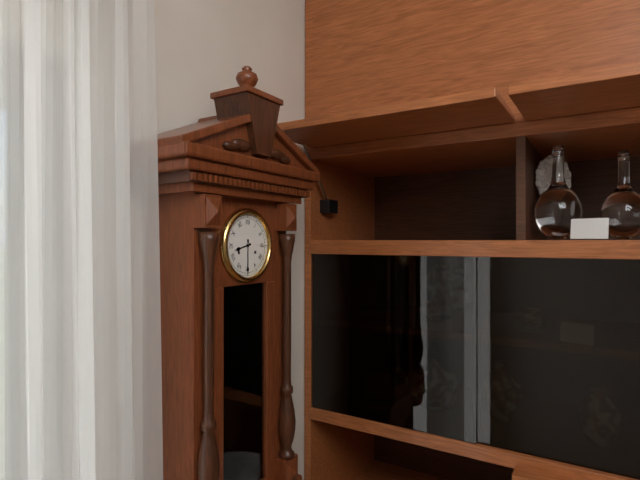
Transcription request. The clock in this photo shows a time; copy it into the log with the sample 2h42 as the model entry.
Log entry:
8h30
